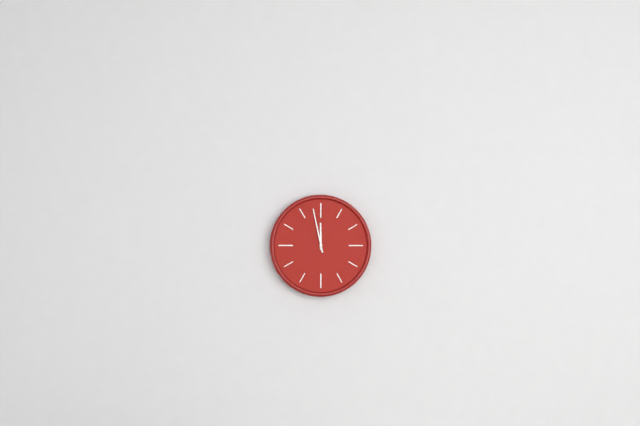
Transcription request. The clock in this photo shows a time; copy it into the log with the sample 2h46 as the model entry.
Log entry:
11h58
